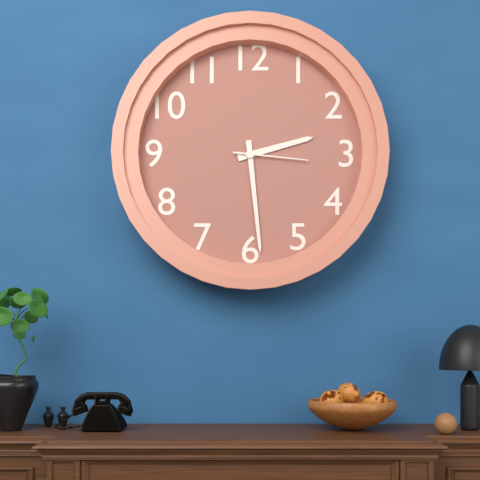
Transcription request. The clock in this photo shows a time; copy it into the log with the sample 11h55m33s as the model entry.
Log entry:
2h29m16s
